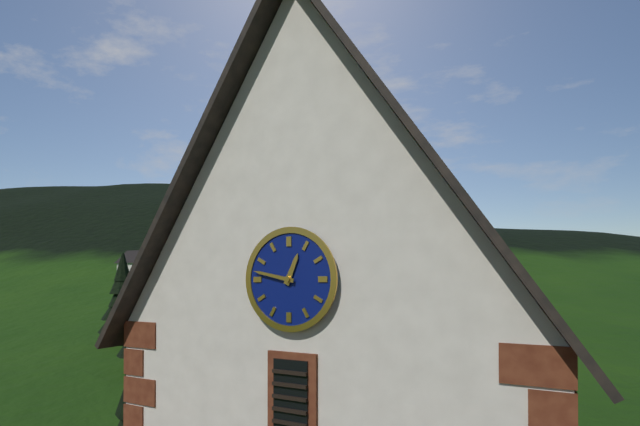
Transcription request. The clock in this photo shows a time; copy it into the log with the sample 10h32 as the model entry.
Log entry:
12h47
